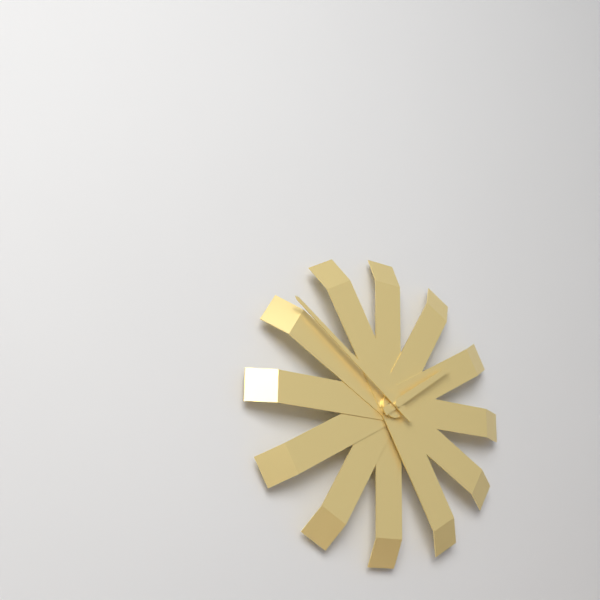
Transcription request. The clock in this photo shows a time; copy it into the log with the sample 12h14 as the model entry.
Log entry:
1h51
